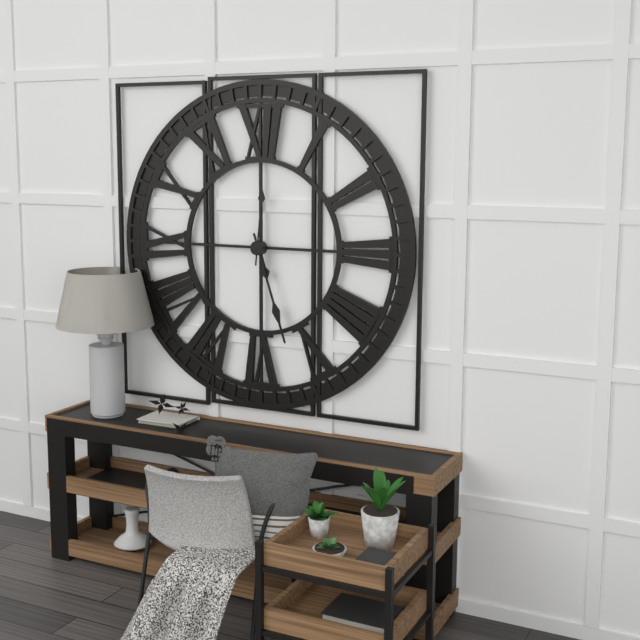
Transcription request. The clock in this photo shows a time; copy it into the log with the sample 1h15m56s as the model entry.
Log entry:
5h27m01s
